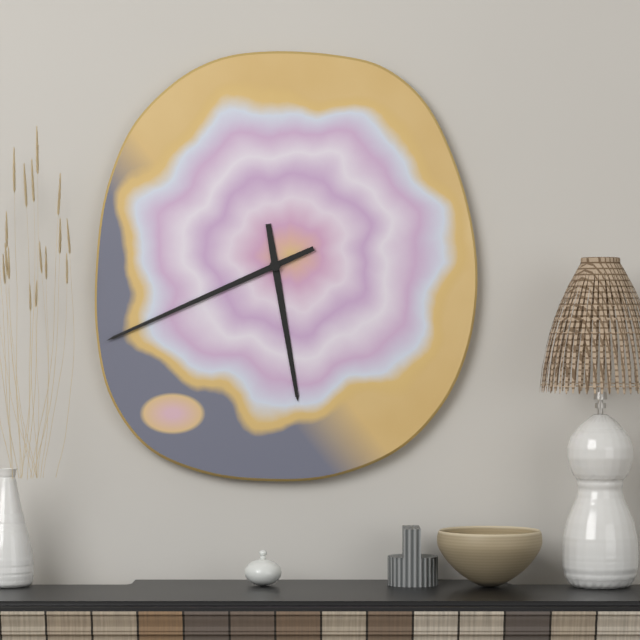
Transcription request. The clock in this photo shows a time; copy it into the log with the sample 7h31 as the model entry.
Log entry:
5h41
